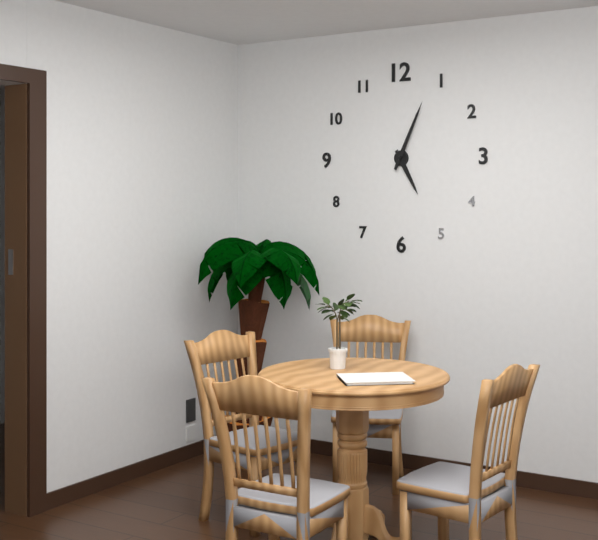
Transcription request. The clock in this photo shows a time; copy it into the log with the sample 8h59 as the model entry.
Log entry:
5h04
